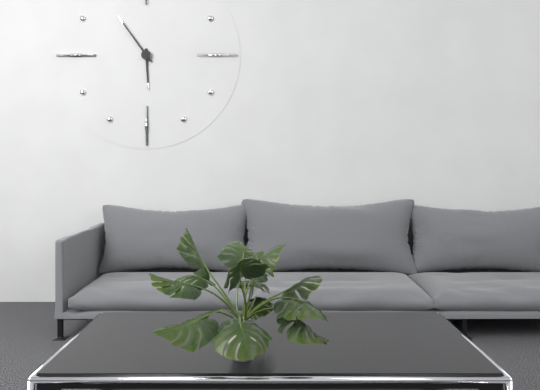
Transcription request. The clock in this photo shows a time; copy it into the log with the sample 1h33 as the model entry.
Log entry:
5h54
